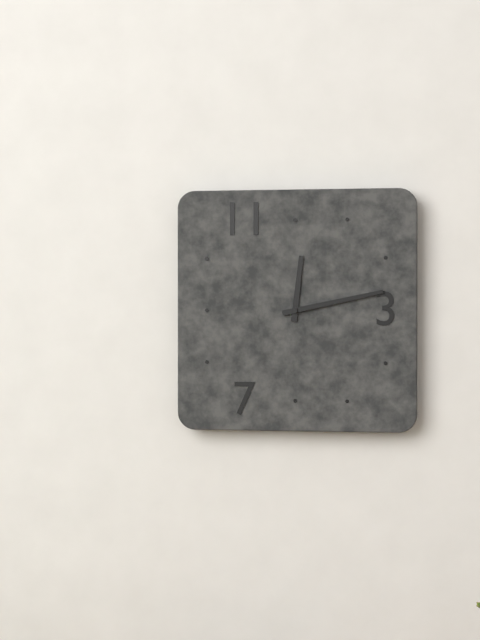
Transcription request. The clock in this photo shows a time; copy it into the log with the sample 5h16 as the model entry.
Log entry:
12h13
